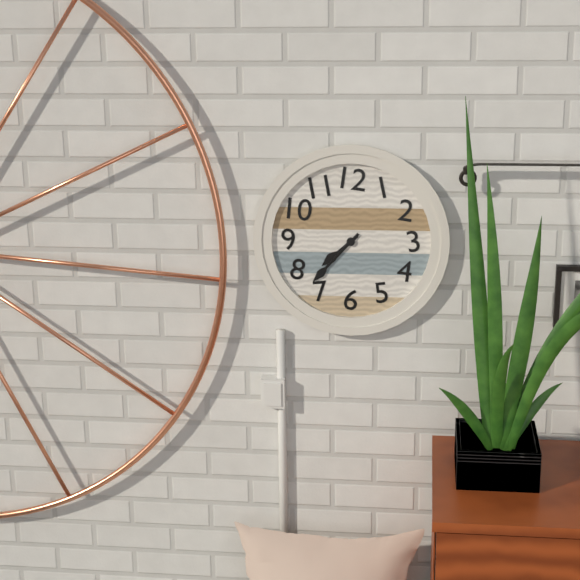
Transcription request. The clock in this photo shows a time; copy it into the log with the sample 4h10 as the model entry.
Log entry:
7h37
